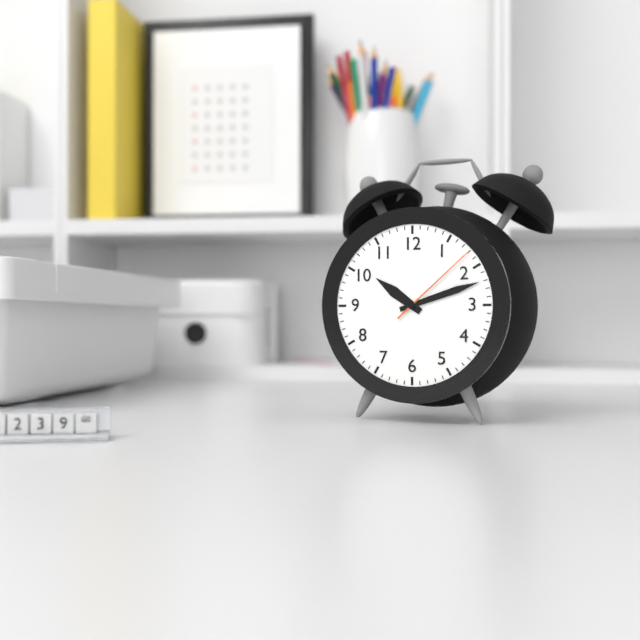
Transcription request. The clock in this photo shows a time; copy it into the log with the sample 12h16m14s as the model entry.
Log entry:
10h12m08s
